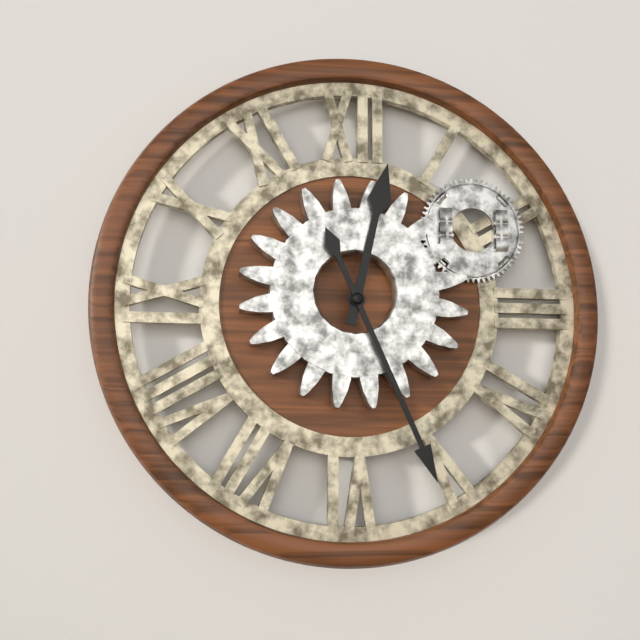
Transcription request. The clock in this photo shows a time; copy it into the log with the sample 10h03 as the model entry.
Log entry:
12h26
